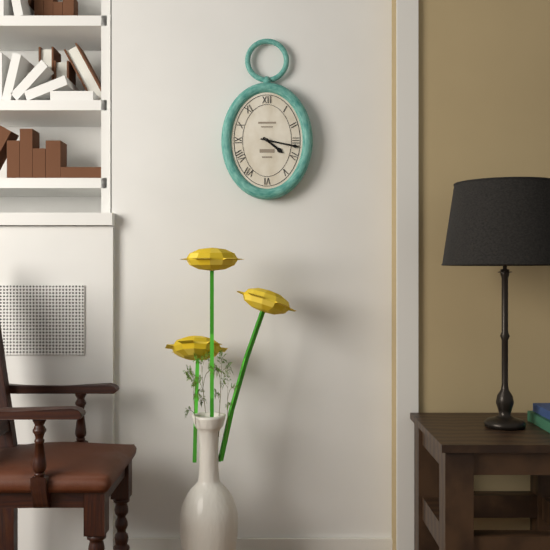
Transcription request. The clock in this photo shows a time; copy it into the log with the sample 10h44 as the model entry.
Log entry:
4h17
